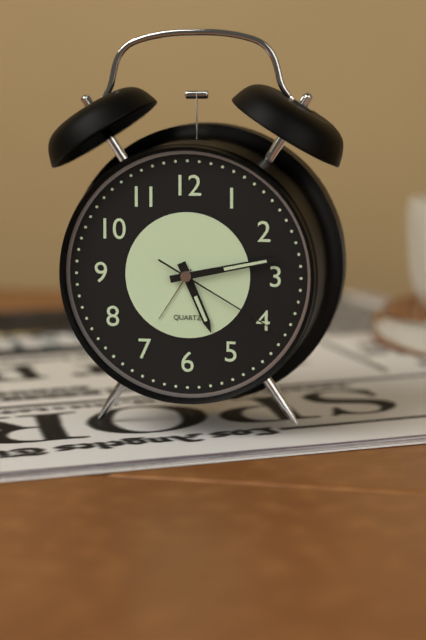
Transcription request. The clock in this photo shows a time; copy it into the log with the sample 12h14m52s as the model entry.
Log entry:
5h13m20s
